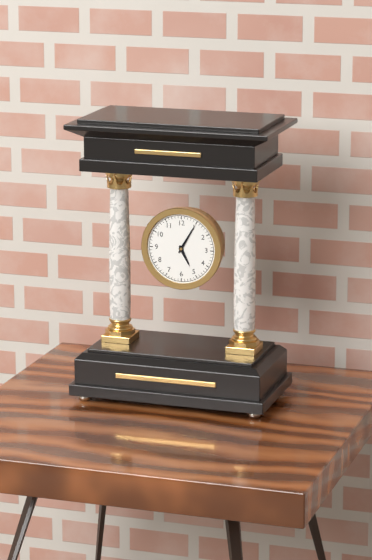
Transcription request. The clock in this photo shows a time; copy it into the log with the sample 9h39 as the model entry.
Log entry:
5h05
